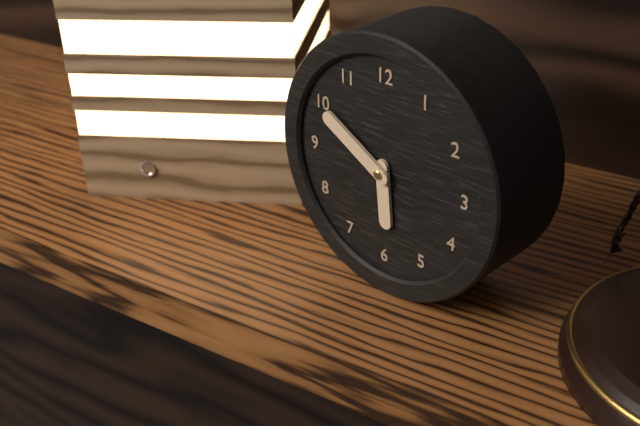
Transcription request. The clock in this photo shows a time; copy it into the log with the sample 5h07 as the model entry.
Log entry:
5h50
